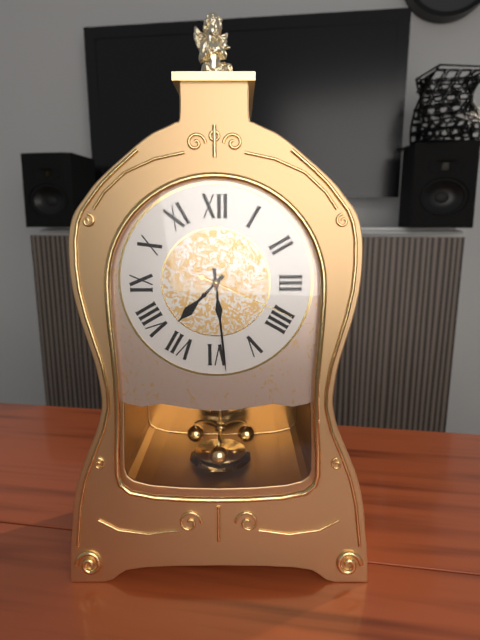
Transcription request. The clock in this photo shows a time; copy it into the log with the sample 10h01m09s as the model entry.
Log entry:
7h29m19s
